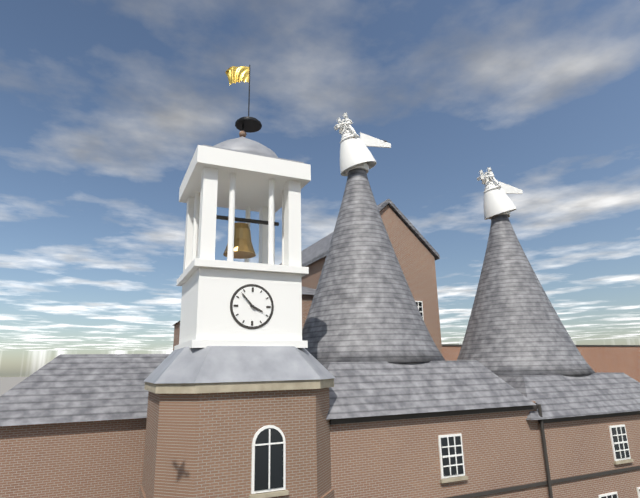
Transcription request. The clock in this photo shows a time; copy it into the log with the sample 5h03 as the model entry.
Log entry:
3h53
